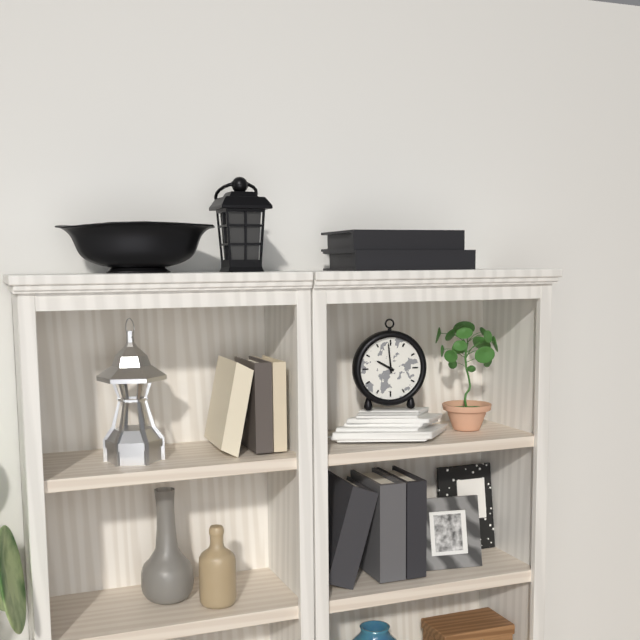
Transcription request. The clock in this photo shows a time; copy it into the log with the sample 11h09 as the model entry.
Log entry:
9h59
